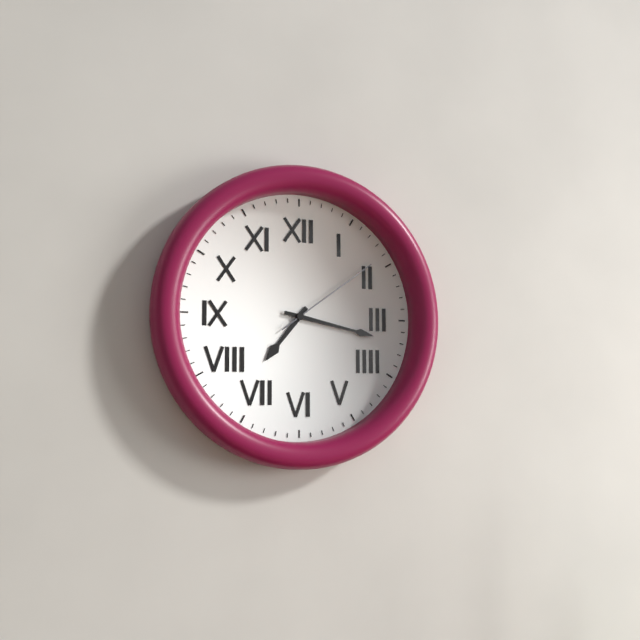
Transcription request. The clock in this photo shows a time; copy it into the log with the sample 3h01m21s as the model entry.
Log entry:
7h17m09s
